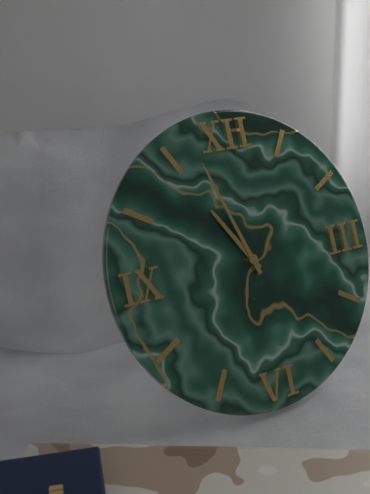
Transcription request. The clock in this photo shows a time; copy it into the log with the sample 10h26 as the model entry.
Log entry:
10h57
